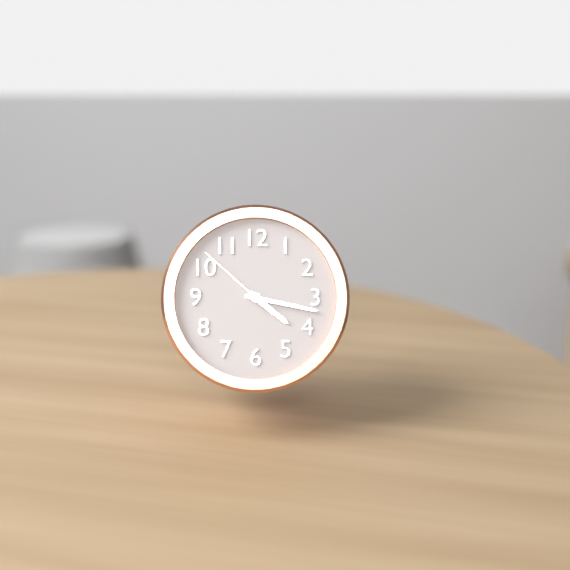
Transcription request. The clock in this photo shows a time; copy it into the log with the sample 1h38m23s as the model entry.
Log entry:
4h17m52s
